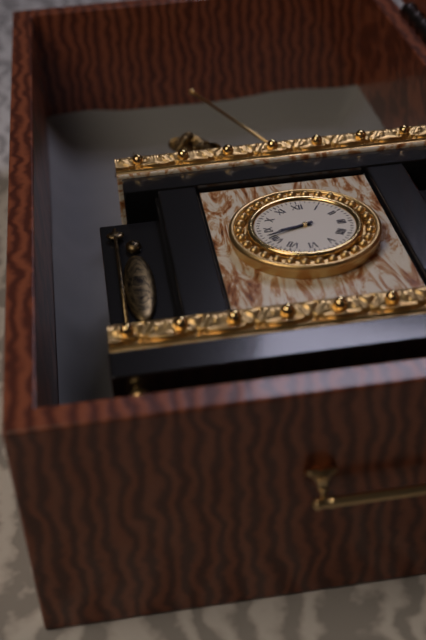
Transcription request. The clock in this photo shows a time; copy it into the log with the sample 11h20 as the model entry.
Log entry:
8h42
